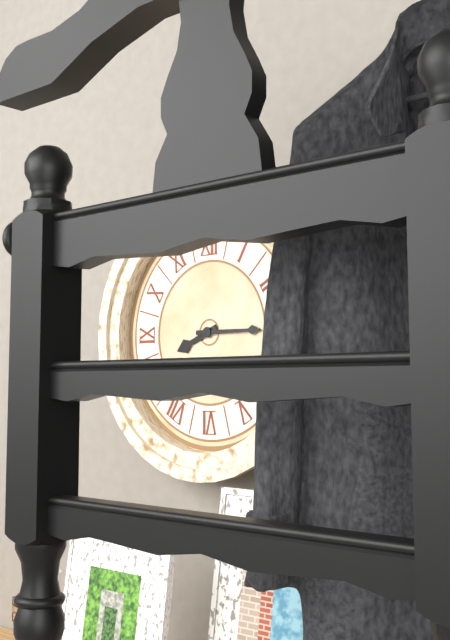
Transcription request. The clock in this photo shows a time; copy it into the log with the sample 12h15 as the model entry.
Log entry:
8h15
